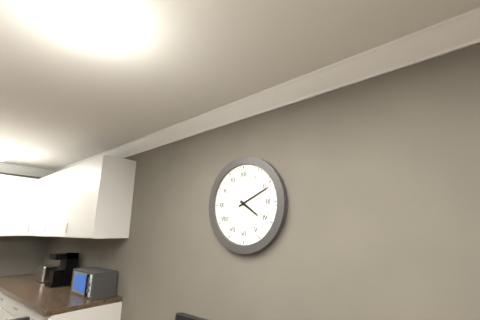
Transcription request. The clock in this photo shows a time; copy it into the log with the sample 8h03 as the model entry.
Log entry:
4h11
